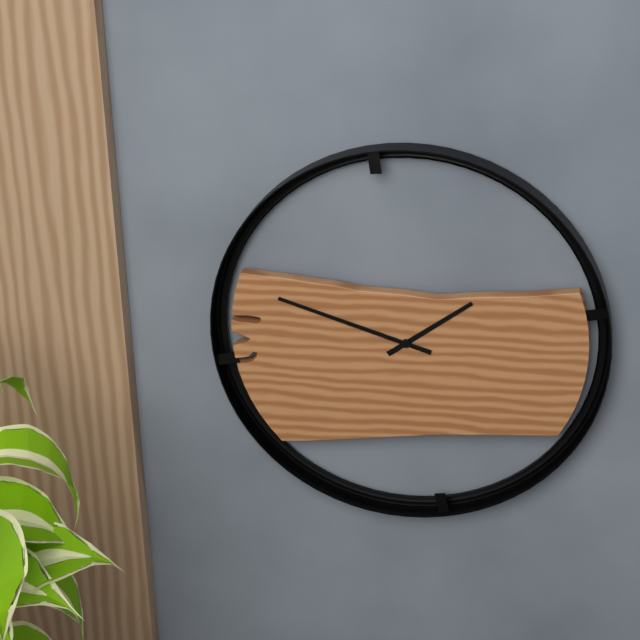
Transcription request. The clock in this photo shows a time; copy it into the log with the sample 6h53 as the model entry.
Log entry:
1h48
